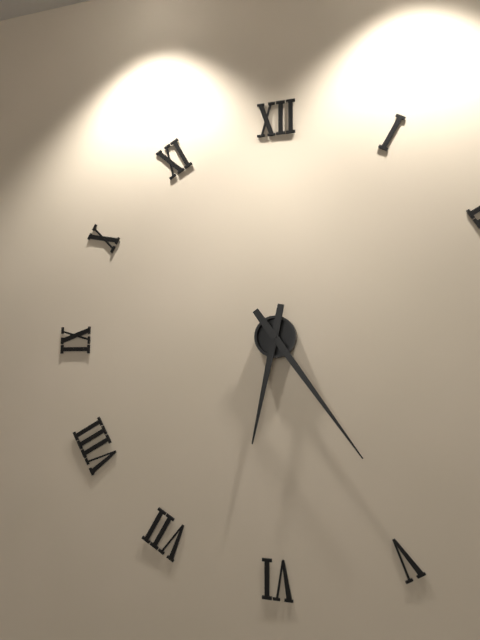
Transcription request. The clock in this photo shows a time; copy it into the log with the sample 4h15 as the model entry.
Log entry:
6h24
